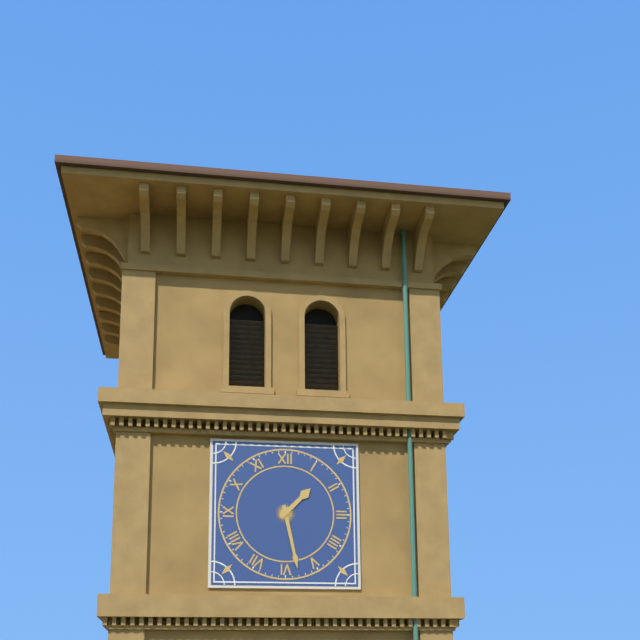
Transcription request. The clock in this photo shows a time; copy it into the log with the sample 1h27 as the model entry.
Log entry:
1h28
